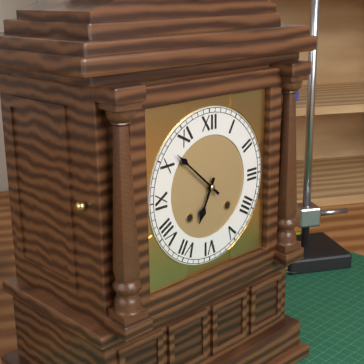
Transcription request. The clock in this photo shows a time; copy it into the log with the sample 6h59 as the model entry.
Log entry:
6h52
